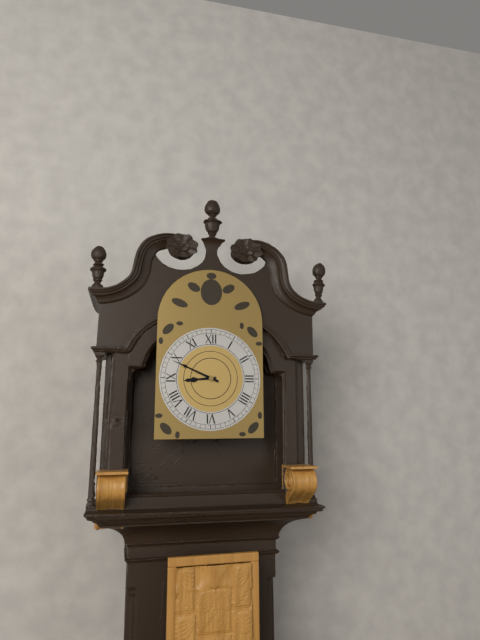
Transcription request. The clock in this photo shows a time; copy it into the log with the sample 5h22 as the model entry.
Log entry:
8h49
